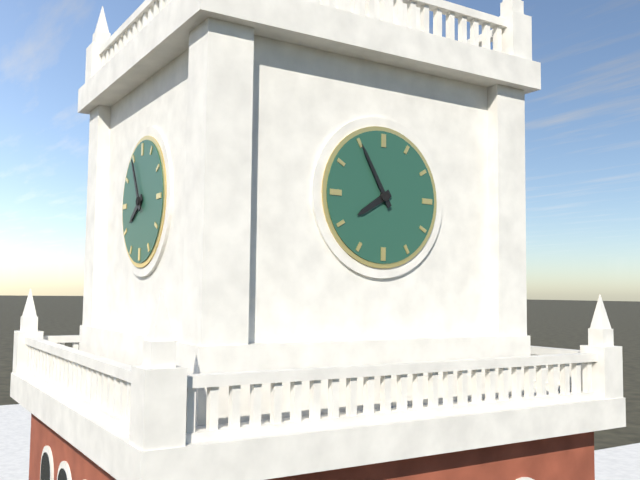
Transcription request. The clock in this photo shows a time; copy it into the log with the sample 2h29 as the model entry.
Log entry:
7h55
